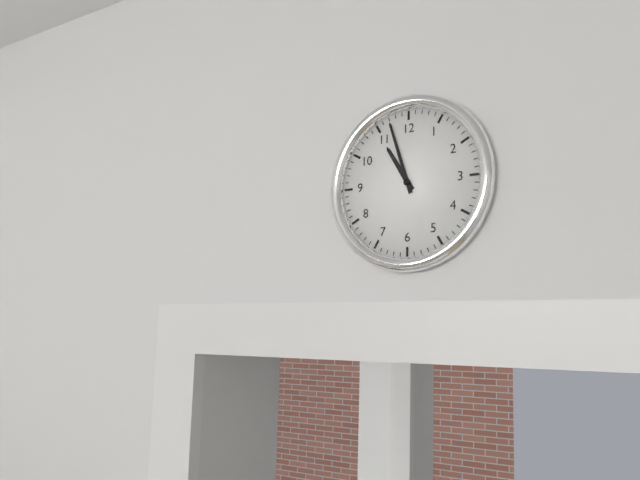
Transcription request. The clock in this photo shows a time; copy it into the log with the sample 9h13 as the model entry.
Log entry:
10h57
